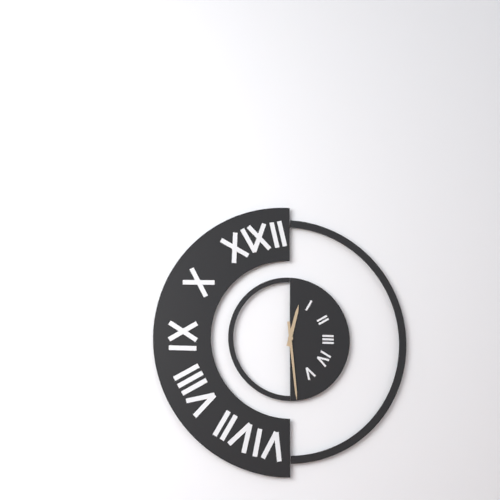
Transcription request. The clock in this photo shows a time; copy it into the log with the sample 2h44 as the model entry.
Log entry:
12h29
